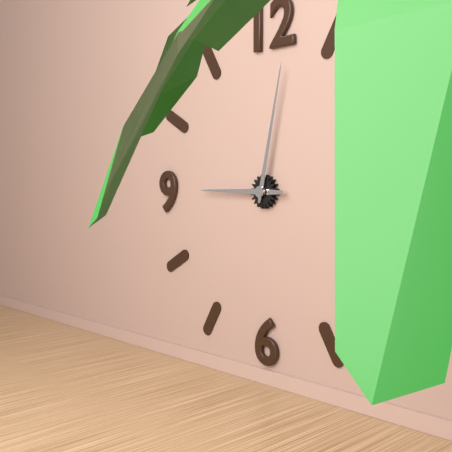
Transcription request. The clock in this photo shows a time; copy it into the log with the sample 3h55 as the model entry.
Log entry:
9h02
